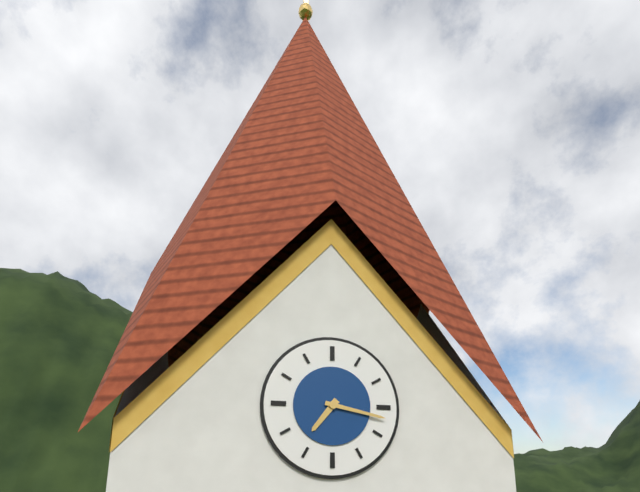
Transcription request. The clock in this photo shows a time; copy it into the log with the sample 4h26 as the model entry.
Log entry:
7h17
